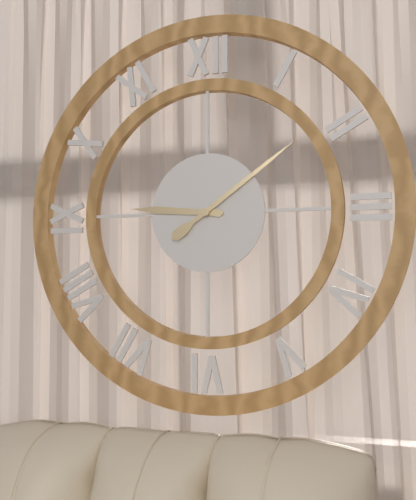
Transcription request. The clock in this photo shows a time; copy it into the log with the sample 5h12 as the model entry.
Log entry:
9h09
